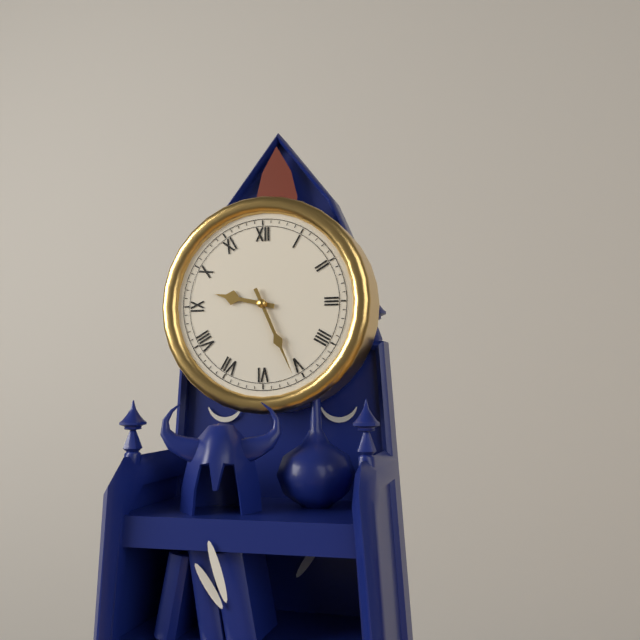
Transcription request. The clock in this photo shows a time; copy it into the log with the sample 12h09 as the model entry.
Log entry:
9h26
